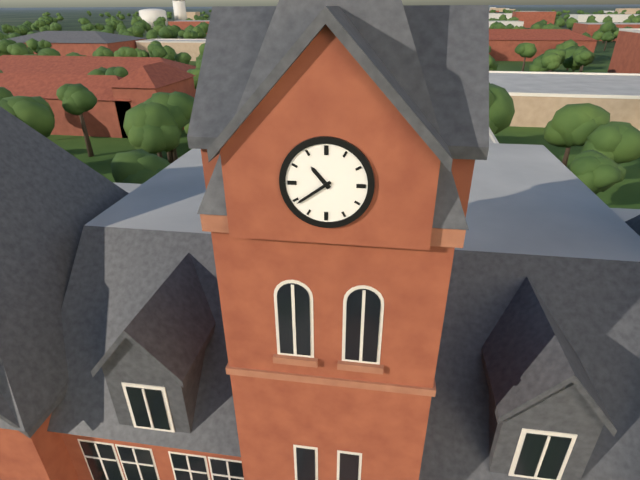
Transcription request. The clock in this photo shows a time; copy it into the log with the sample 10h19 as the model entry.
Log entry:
10h39
